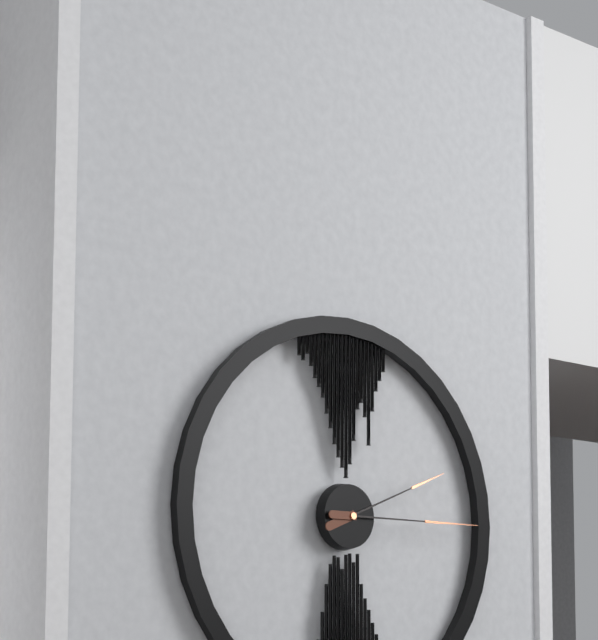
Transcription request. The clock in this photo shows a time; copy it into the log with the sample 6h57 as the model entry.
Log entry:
2h15
